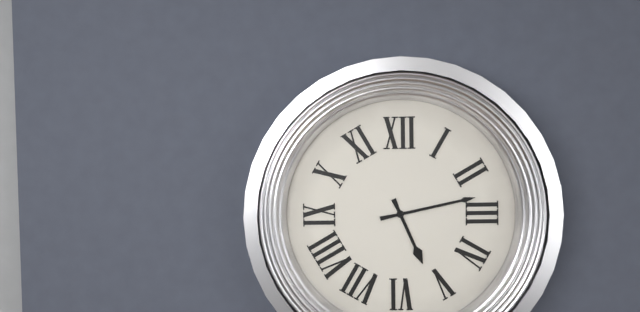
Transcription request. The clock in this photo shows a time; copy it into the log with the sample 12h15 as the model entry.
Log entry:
5h13
